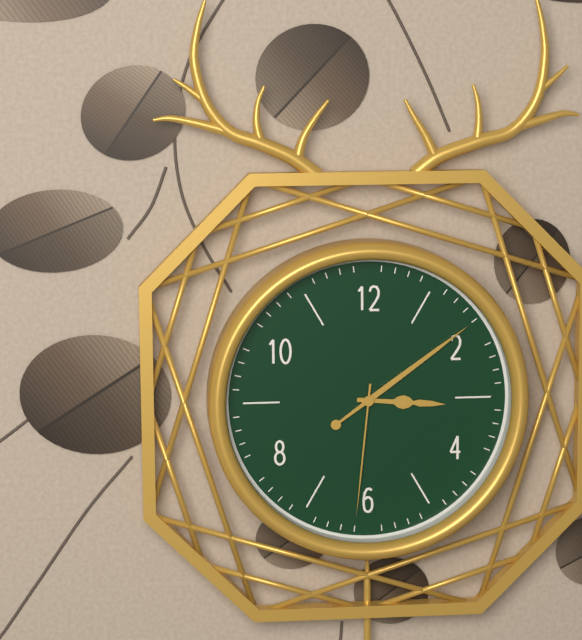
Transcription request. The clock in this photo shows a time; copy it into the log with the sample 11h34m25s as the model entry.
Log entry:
3h09m31s
